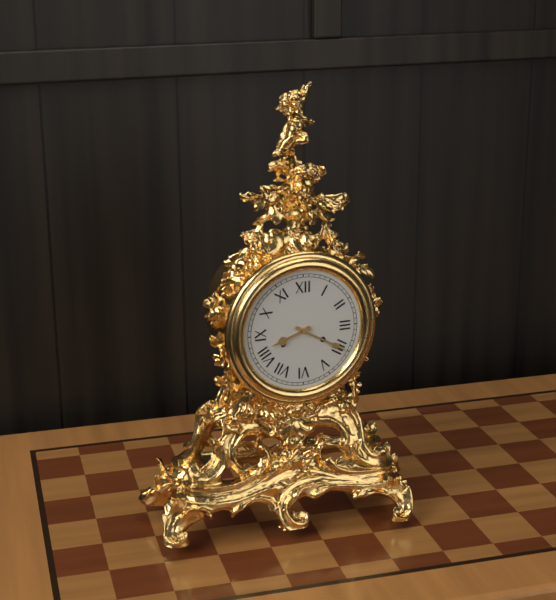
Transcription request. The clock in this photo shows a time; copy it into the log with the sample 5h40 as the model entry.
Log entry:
8h20
